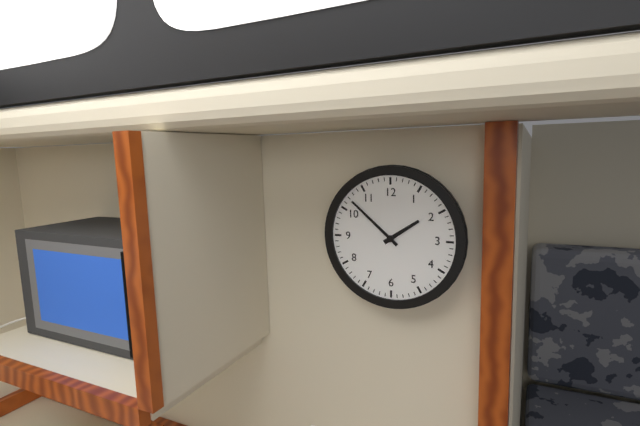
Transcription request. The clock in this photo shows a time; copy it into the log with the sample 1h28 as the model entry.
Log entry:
1h52
